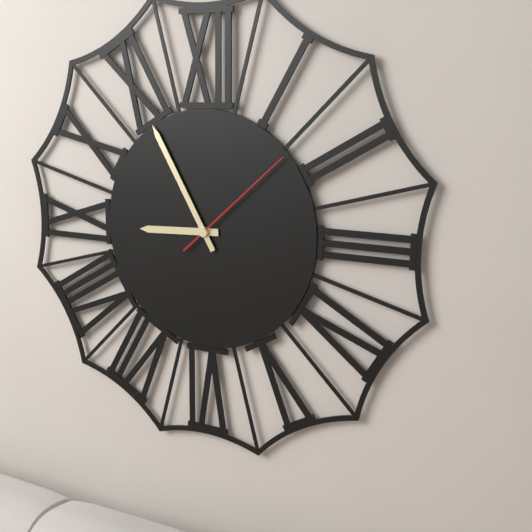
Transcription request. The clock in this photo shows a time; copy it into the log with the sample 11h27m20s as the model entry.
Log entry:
8h55m08s
